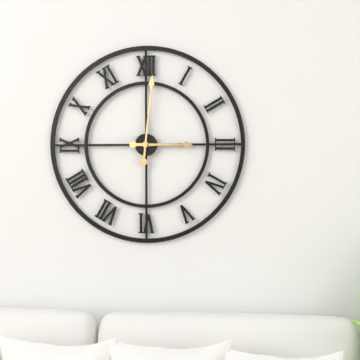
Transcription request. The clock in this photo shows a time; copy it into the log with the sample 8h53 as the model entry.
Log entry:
3h01
